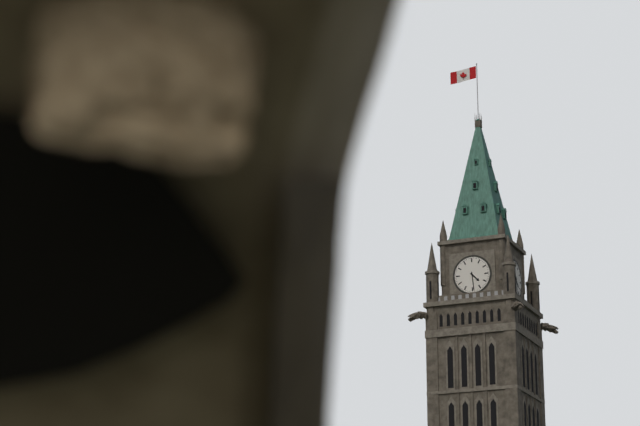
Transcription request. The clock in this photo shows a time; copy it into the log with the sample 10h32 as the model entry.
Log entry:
4h29
